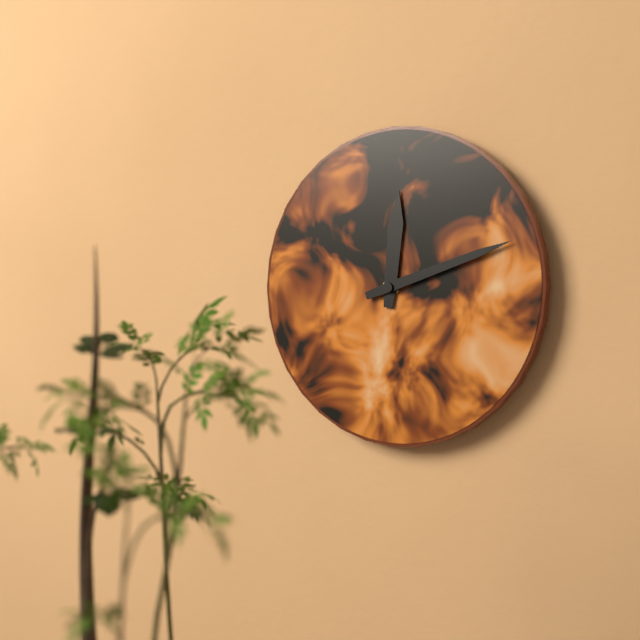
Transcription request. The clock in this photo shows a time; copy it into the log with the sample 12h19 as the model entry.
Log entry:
12h12
